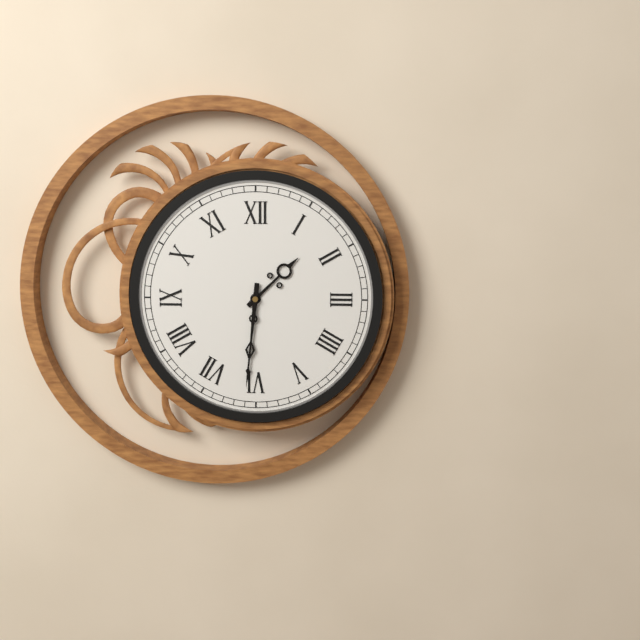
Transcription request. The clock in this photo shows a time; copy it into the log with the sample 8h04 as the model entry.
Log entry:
1h31
